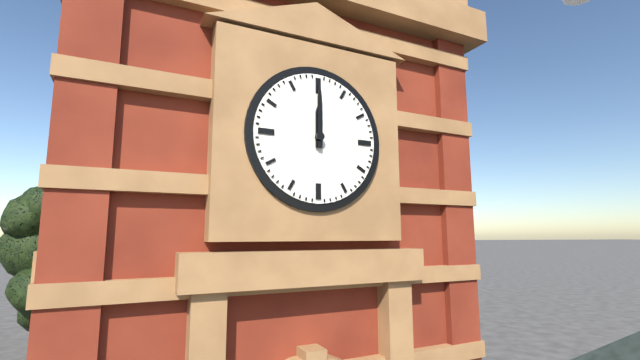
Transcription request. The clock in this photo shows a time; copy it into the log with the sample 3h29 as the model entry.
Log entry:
12h00
